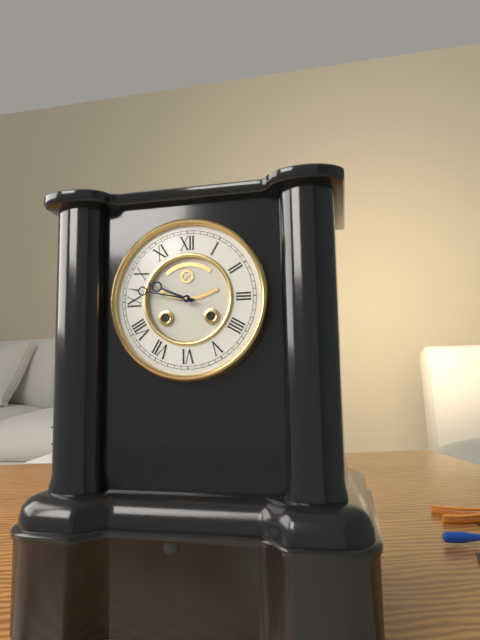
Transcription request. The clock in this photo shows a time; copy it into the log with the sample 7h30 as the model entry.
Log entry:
9h47
